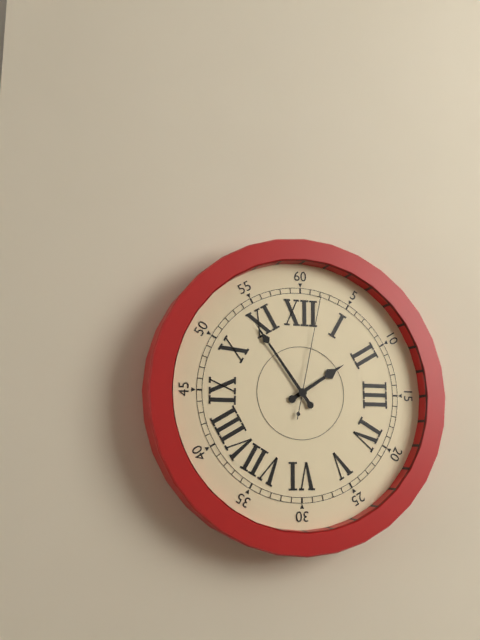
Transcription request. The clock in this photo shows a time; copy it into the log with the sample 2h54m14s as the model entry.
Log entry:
1h54m02s
